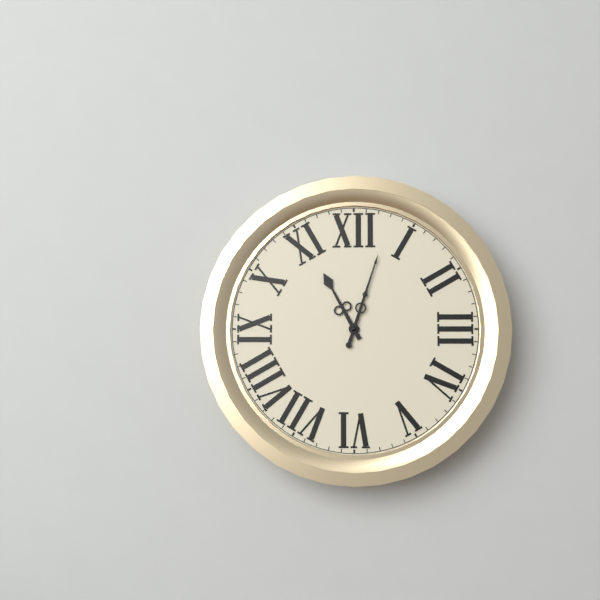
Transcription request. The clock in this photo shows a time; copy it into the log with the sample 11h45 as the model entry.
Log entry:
11h03
